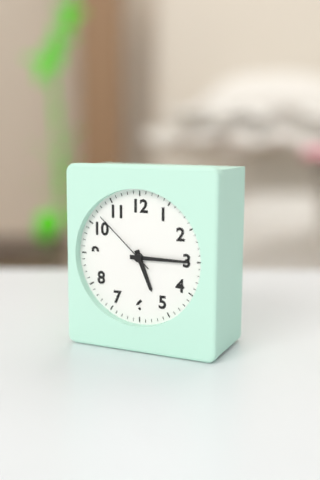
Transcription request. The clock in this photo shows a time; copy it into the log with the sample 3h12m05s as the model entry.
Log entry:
5h15m52s
